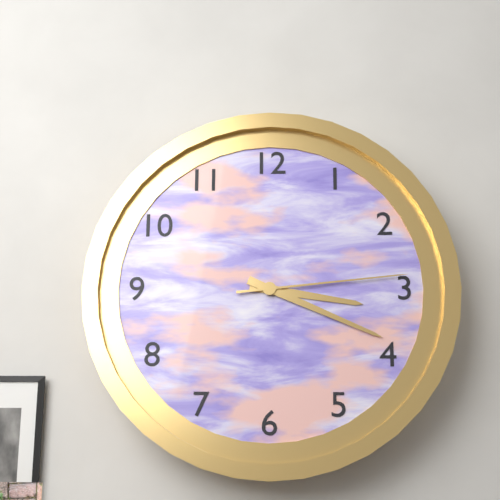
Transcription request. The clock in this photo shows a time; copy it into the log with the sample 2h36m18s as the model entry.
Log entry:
3h19m14s
